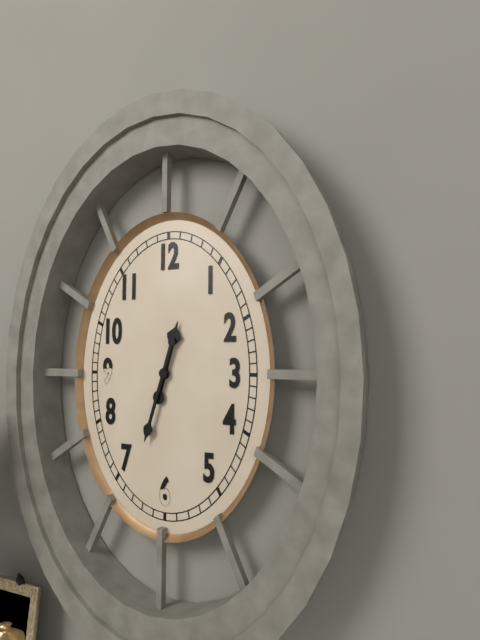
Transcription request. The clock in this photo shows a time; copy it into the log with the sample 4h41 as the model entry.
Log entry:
12h33
